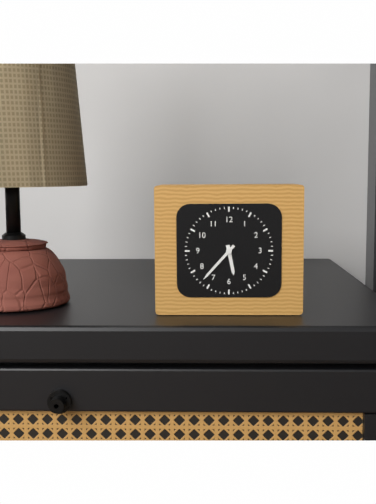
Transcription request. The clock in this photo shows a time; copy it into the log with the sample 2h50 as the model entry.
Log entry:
5h37
